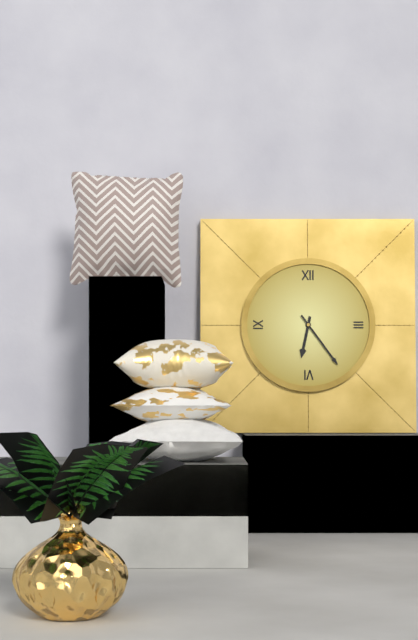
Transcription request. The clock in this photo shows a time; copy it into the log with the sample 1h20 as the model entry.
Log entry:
6h24
